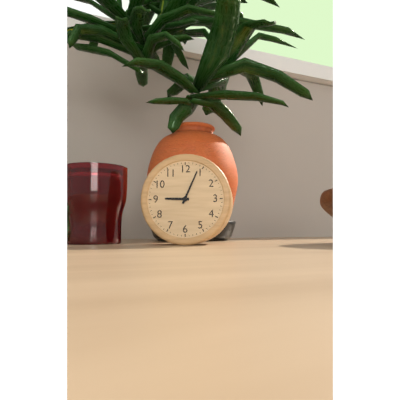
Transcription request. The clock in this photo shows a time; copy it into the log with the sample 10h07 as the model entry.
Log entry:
9h04
